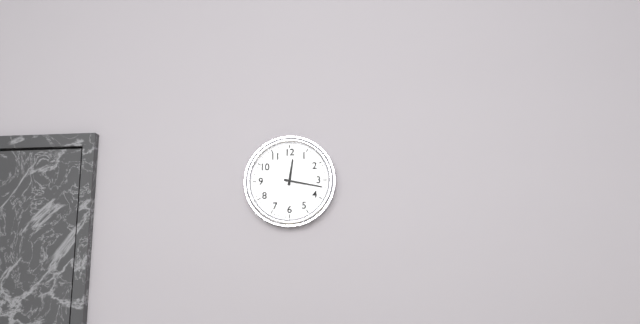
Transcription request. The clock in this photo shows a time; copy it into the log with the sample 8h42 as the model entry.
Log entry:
12h17
